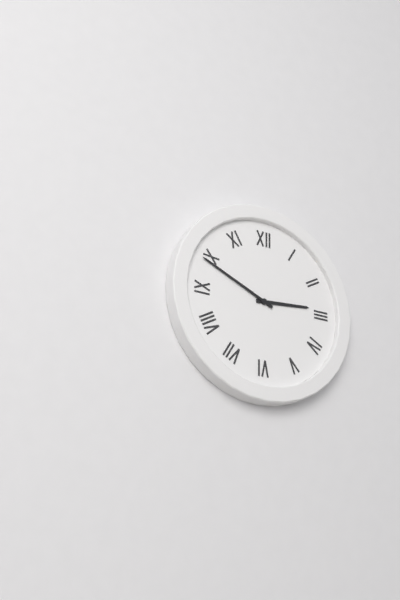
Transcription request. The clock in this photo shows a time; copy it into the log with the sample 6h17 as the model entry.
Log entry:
2h49
